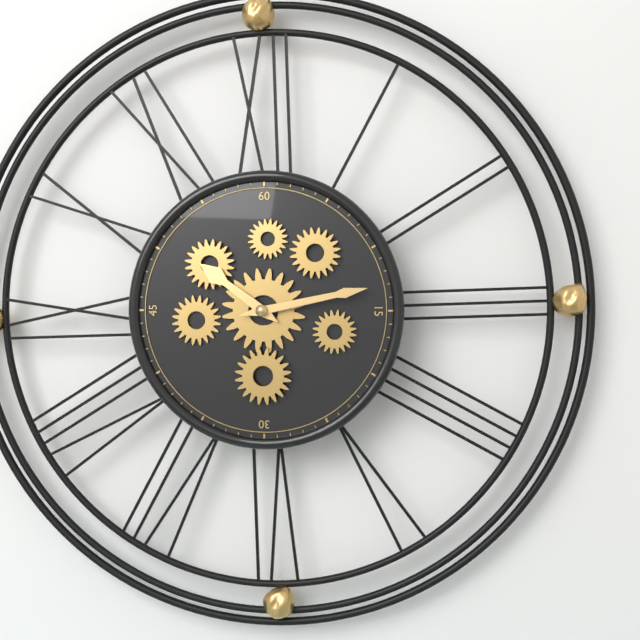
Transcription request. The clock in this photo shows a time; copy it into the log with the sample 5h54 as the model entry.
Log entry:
10h13
